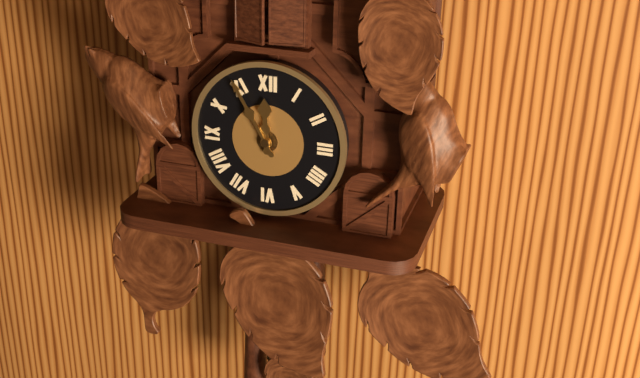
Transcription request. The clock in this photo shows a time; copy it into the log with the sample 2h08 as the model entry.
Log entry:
11h55
